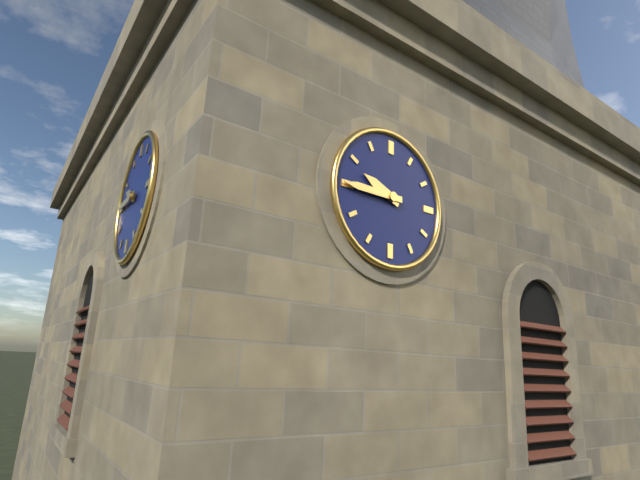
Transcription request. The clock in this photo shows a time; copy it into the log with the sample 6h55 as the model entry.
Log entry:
9h45
